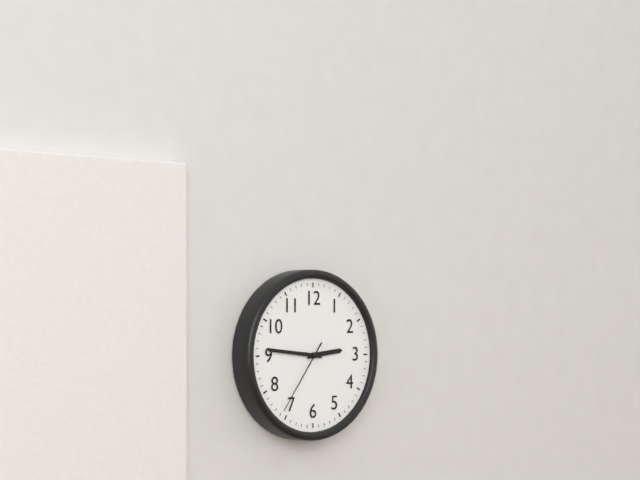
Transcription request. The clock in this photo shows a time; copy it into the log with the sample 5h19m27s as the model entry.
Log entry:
2h46m36s
